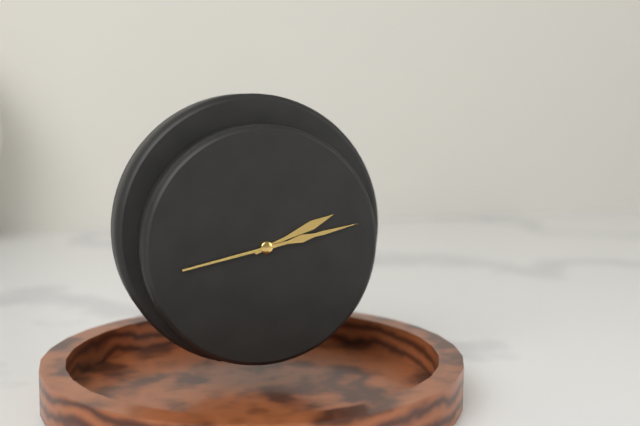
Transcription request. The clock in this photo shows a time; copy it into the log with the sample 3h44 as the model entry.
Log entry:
2h13
